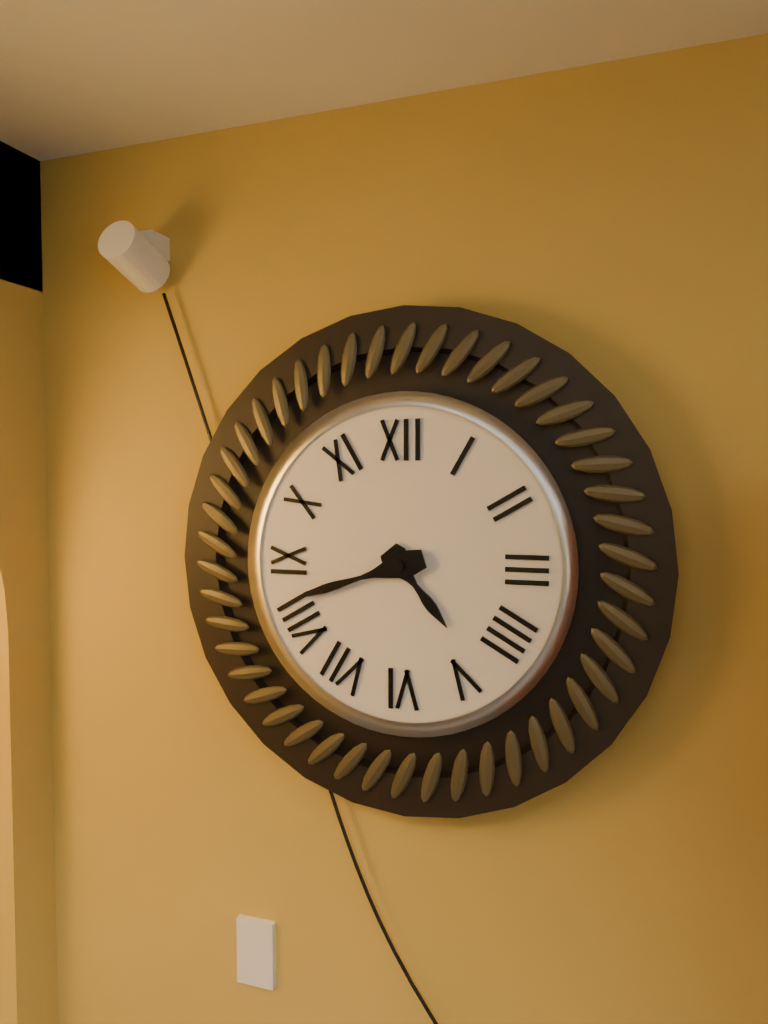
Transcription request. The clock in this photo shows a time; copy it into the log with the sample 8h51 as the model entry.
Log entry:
4h42
